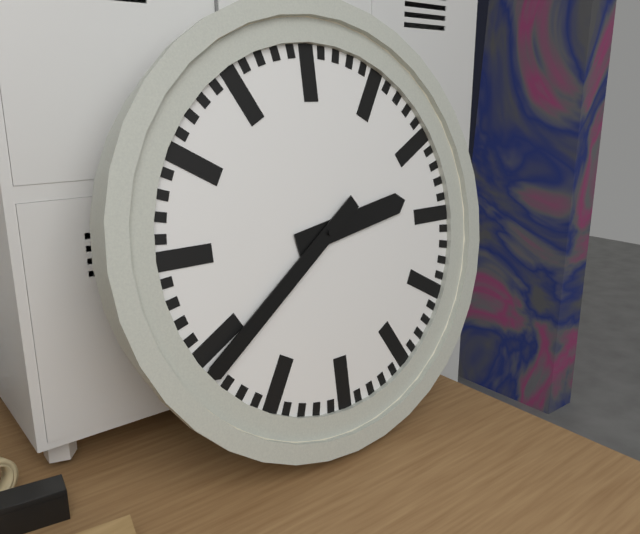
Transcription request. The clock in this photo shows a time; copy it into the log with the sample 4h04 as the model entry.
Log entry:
2h39
